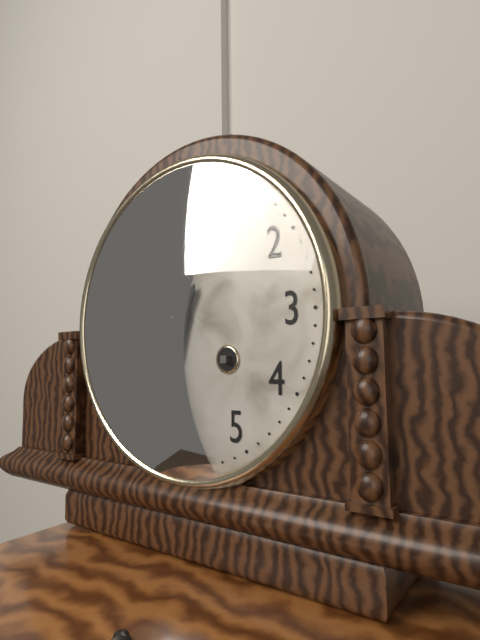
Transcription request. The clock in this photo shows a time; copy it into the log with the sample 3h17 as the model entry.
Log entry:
6h34
